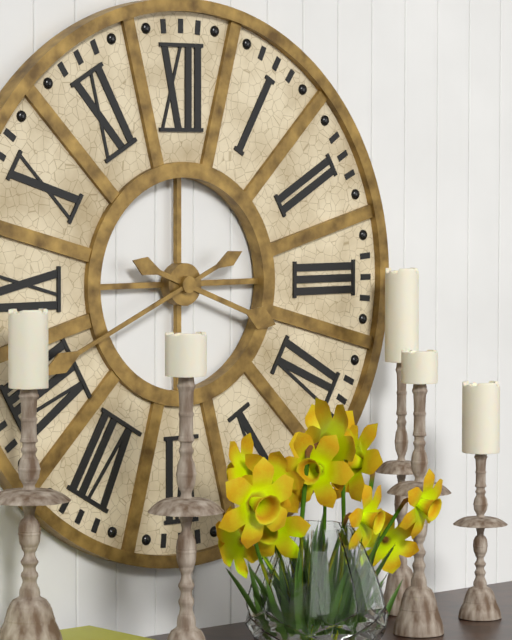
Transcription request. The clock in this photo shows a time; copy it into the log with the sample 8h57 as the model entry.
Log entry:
3h41
